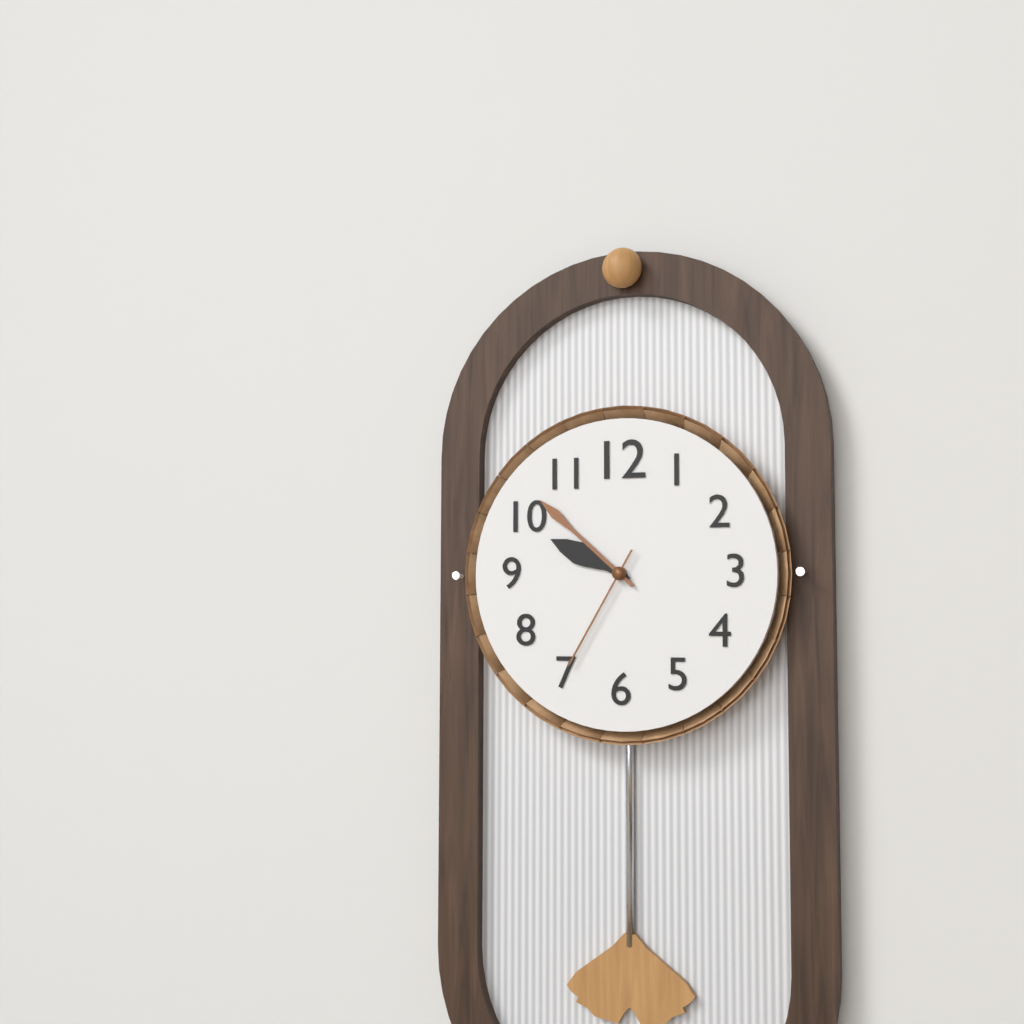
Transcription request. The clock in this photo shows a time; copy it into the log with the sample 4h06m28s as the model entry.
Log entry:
9h52m35s
